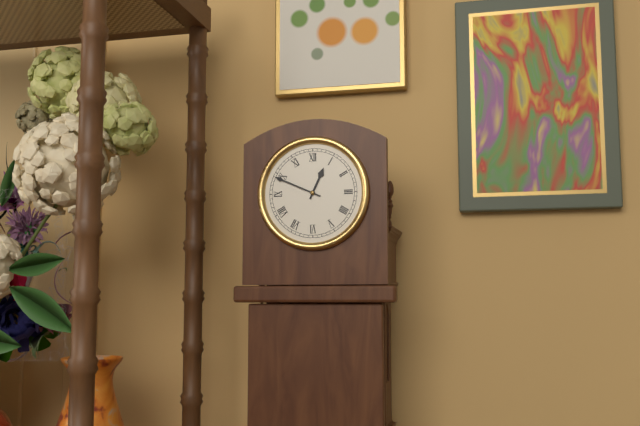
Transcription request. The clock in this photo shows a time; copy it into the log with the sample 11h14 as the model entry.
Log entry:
12h49
